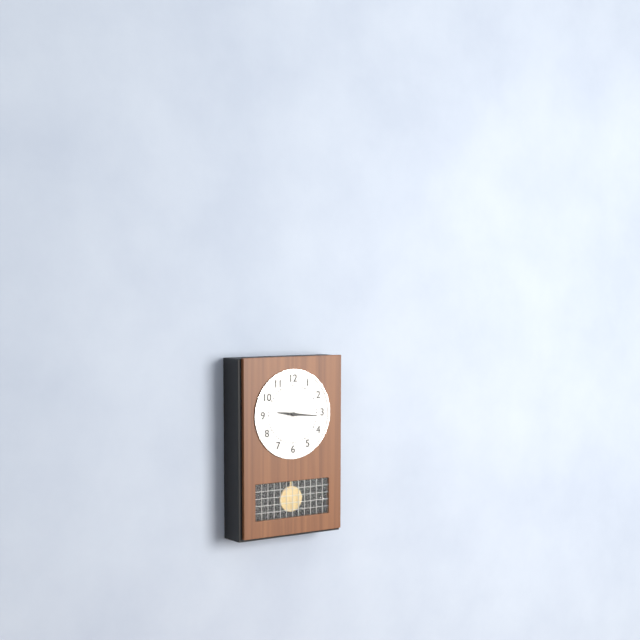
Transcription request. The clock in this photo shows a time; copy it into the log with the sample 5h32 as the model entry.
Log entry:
9h16
